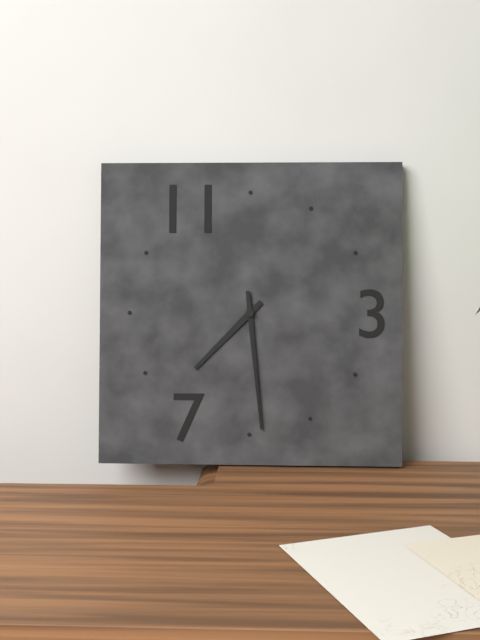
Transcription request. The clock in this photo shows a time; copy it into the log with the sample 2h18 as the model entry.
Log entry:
7h29
